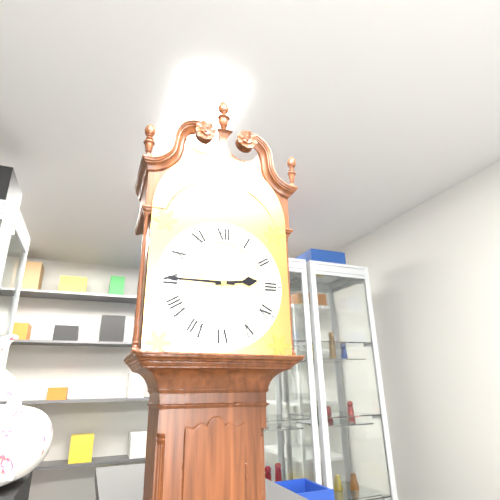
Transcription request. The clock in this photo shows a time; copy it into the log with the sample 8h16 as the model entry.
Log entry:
2h45
